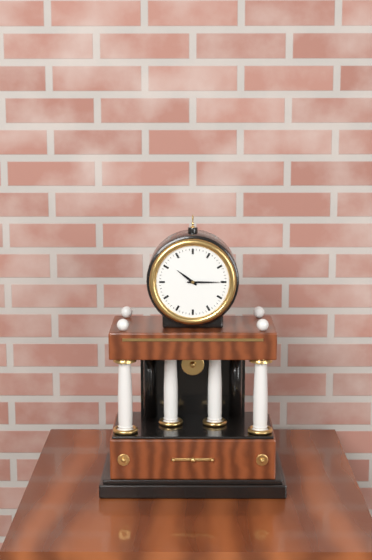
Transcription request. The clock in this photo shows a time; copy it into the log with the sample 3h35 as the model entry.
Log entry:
10h15
